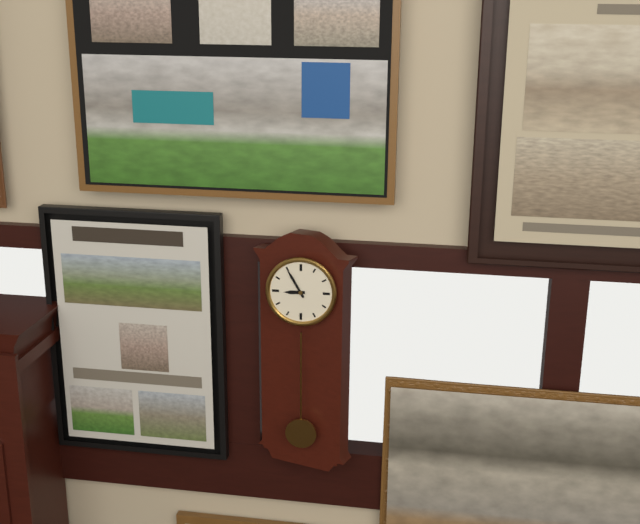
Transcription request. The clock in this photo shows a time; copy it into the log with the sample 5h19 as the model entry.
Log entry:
8h55
